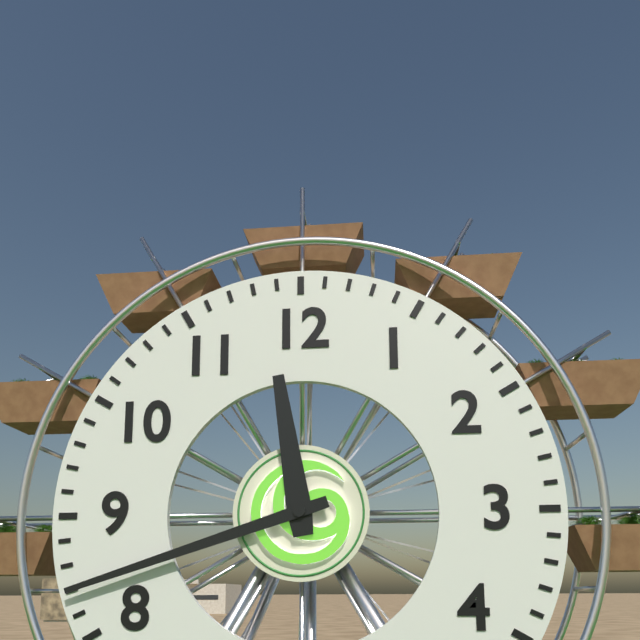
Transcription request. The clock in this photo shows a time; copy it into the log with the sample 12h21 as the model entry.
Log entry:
11h42
